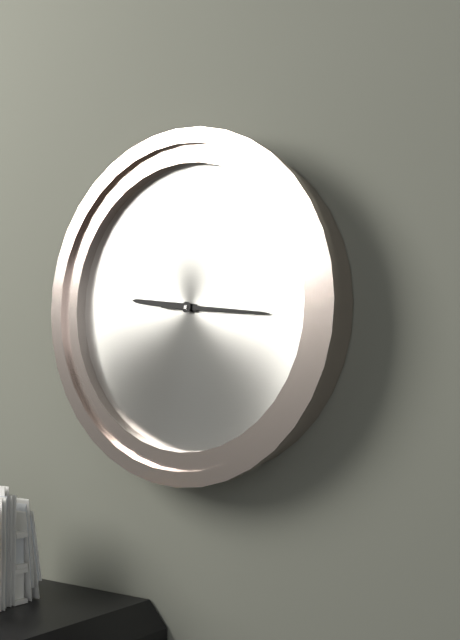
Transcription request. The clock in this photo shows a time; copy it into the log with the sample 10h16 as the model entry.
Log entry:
9h16
